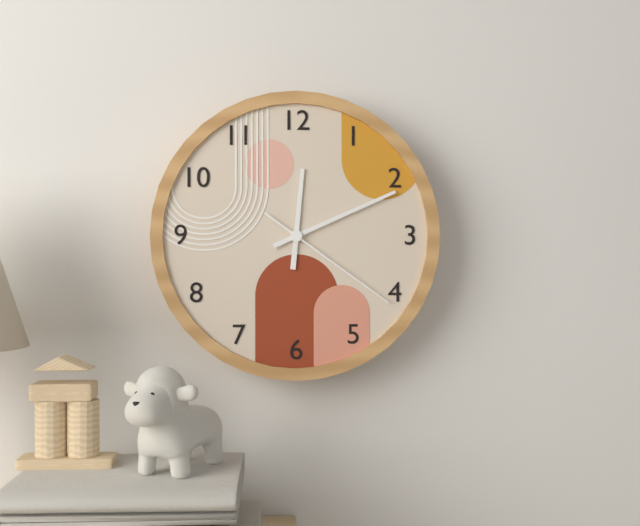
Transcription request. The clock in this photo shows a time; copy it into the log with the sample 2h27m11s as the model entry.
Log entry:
12h11m21s
